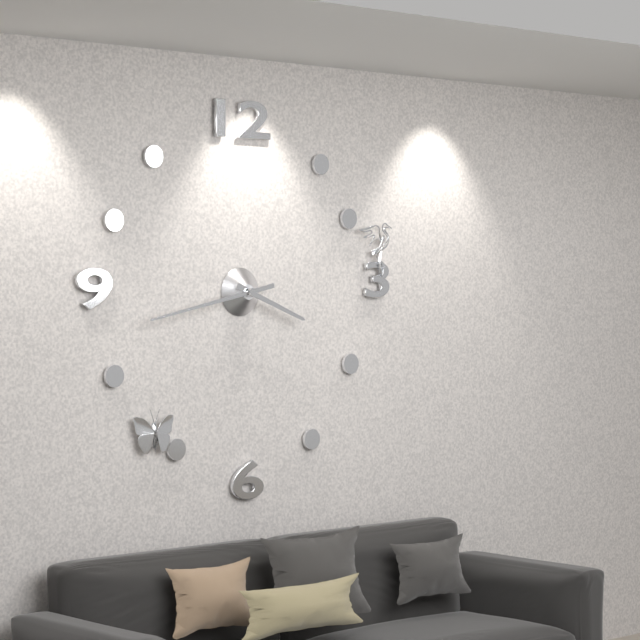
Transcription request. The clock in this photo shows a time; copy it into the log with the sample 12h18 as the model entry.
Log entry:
3h43
